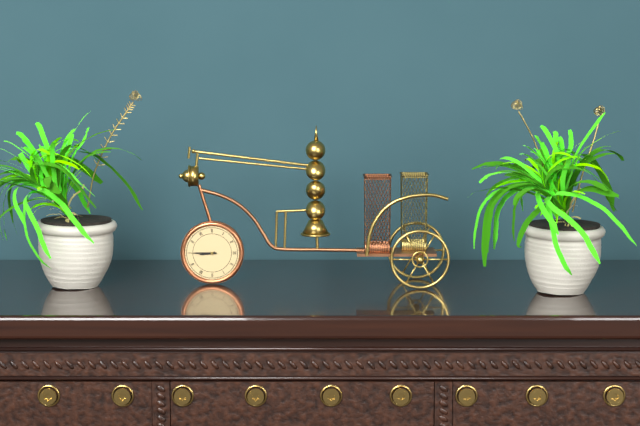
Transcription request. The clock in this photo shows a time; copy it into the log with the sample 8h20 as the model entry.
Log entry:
8h45
